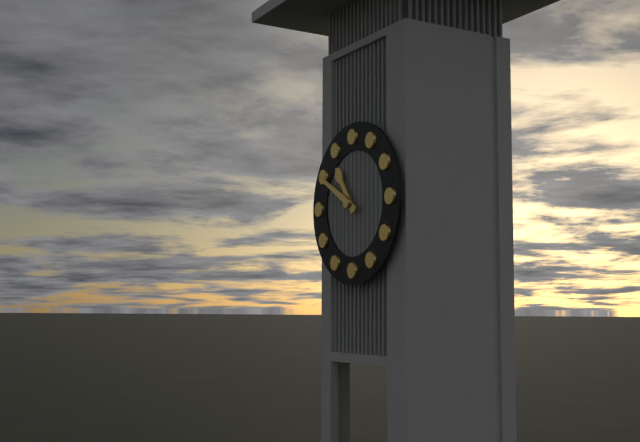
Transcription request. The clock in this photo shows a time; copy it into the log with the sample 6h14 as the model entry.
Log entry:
10h50
